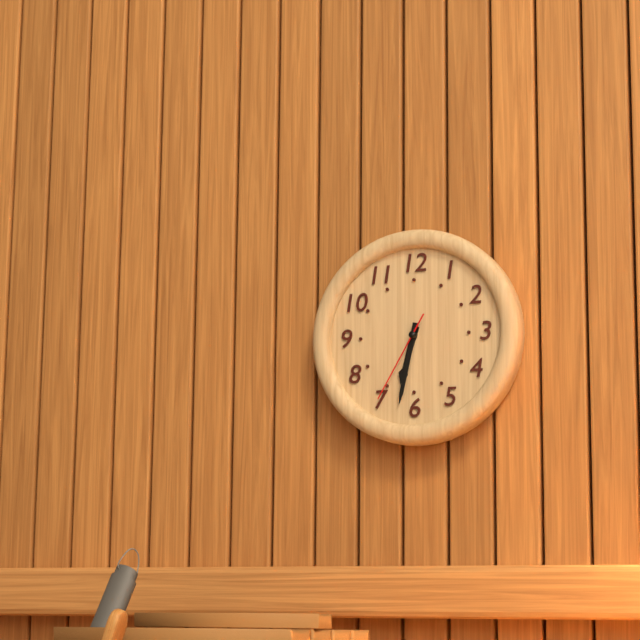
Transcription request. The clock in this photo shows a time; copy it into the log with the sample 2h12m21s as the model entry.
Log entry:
6h32m35s
